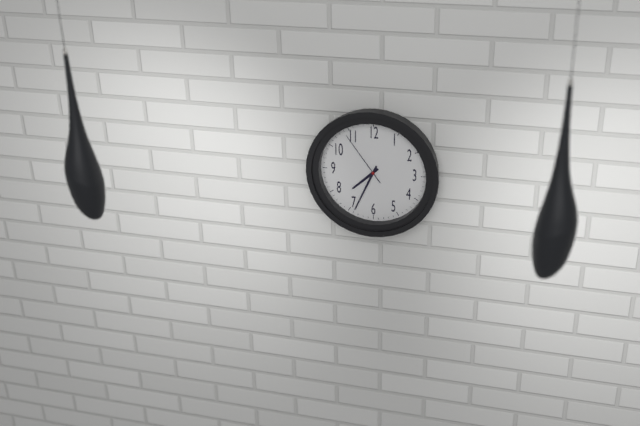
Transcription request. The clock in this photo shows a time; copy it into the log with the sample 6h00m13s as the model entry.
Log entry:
7h34m54s
